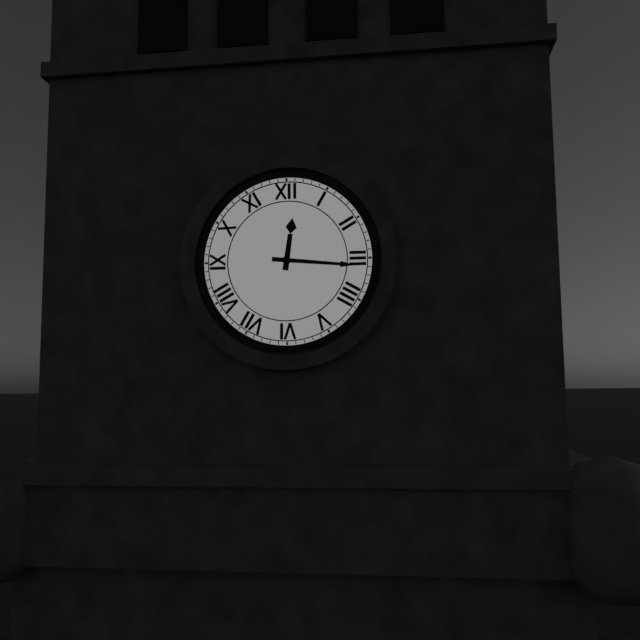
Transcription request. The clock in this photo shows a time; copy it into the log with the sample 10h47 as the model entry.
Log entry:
12h16
